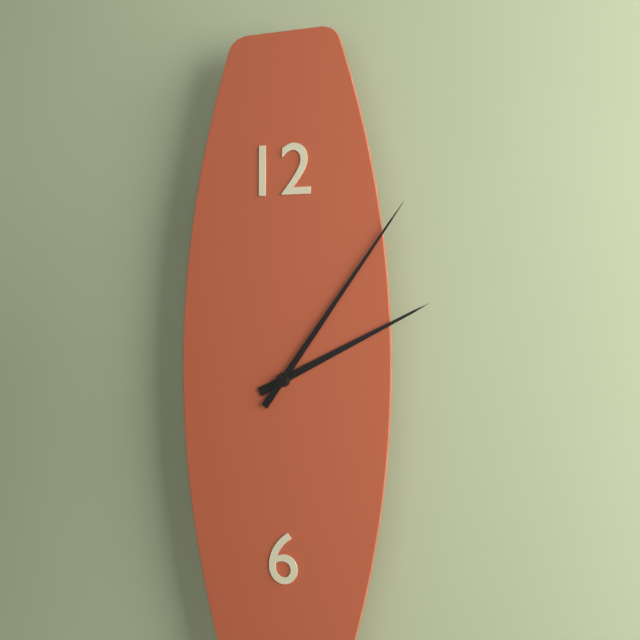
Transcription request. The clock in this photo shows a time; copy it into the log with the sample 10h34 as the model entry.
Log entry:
2h06
